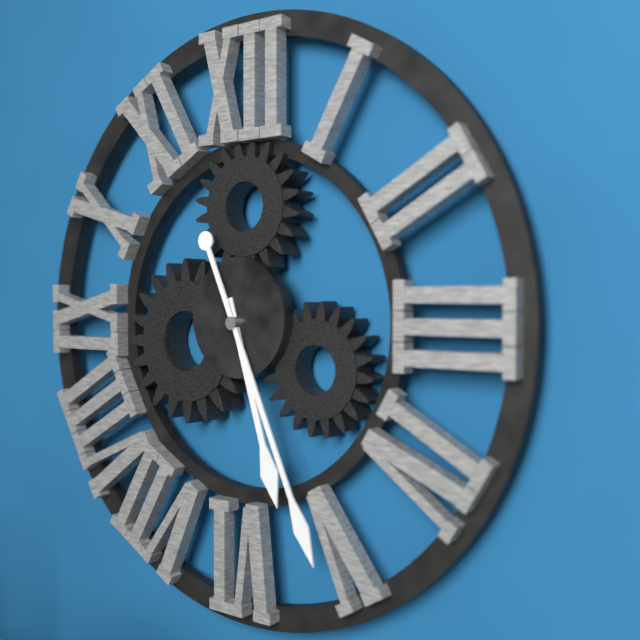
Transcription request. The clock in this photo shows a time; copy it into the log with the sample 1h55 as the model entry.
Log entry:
5h26
